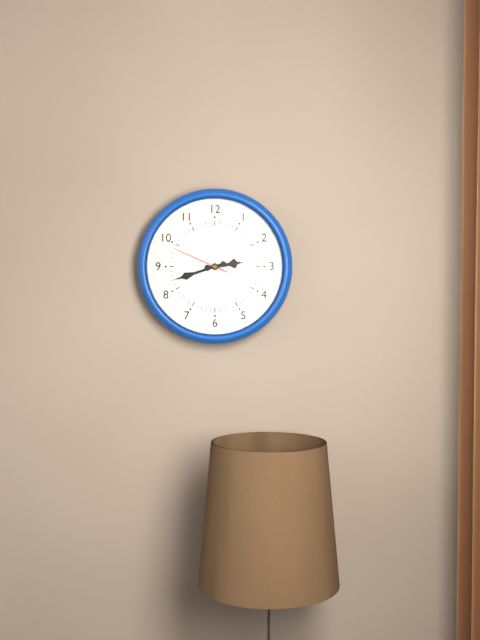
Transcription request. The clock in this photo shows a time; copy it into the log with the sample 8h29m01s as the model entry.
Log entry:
2h42m49s
